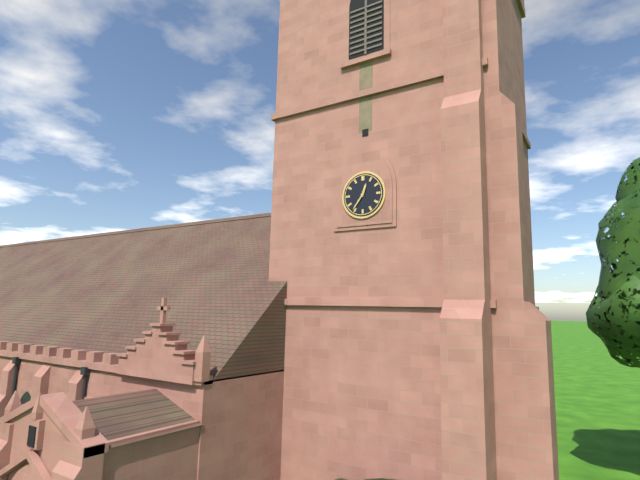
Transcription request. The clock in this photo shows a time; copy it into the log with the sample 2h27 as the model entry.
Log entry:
12h36
